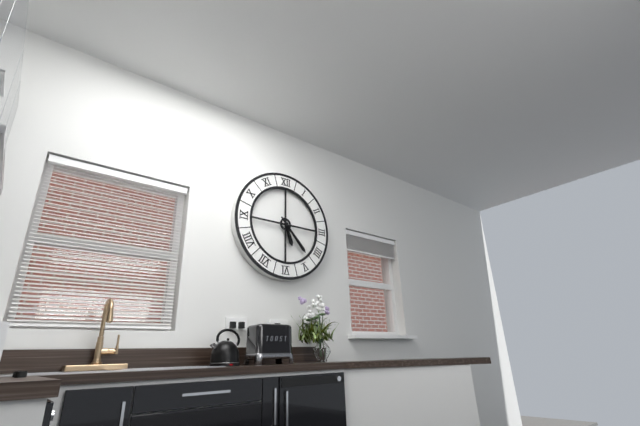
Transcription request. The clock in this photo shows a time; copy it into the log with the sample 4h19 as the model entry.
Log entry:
5h23
